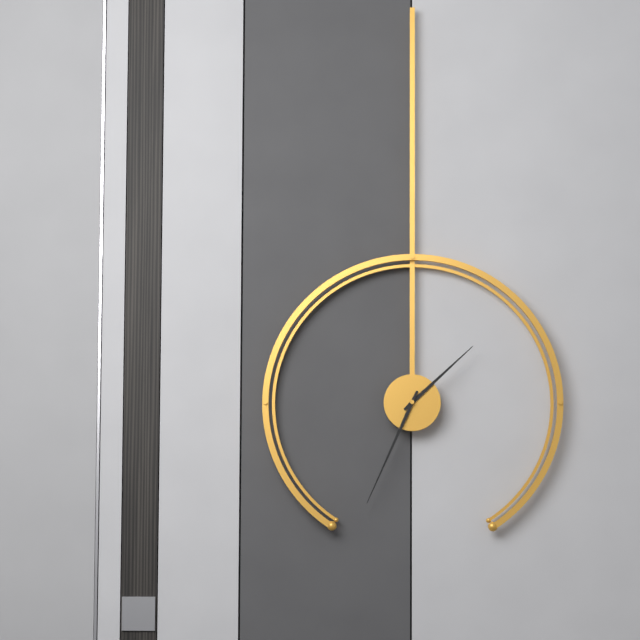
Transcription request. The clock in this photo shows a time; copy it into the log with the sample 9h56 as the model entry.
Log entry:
1h34
